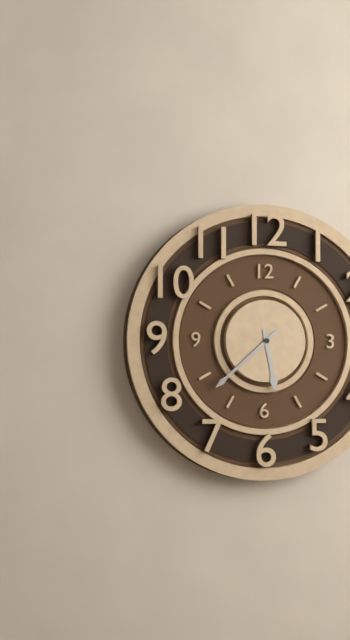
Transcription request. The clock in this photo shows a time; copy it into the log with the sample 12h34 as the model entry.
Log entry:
5h38
